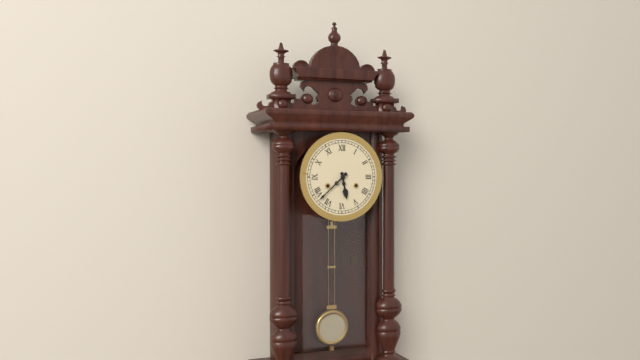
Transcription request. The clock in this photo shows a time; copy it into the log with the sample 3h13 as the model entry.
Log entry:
5h38
